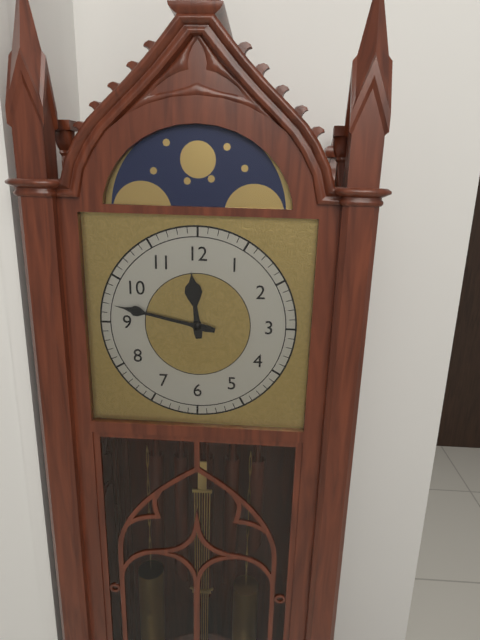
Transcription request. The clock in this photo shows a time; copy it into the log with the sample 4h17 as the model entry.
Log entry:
11h47
